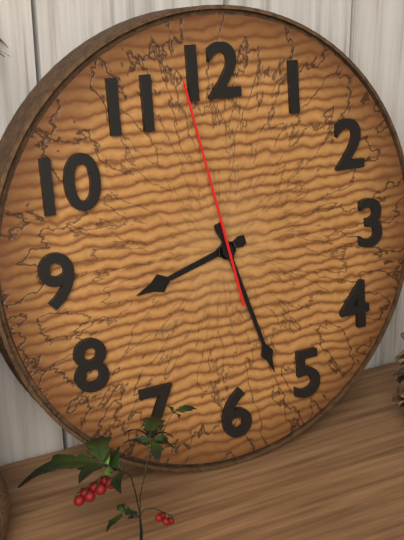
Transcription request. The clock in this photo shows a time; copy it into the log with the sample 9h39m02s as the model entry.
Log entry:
8h27m58s
